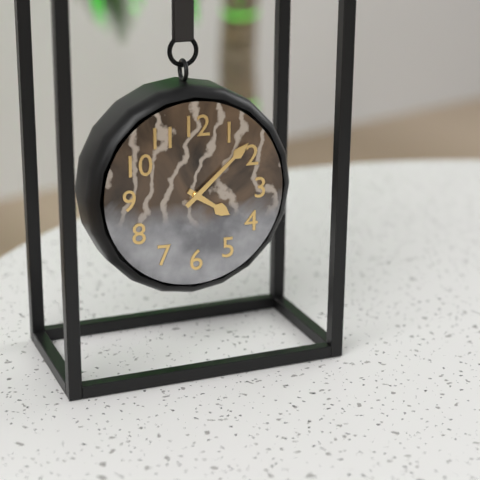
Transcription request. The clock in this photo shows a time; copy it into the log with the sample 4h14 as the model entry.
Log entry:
4h08
